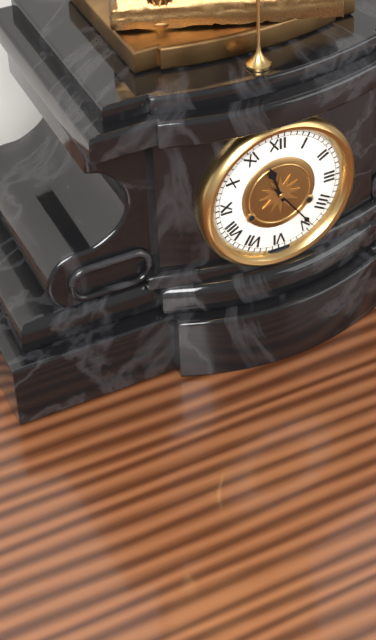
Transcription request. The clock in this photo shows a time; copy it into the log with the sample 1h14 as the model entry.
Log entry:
11h24
